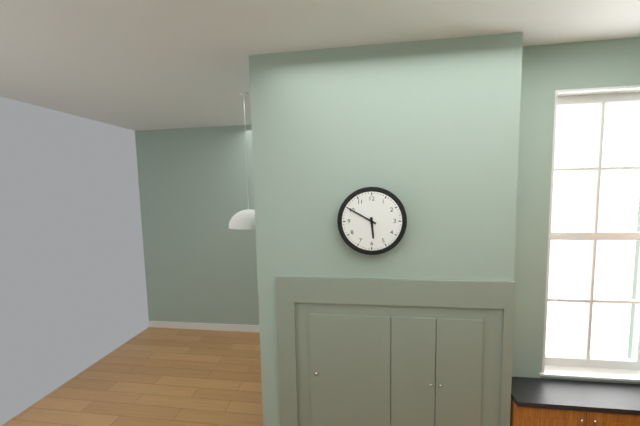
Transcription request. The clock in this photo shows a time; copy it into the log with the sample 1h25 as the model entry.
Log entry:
5h50
